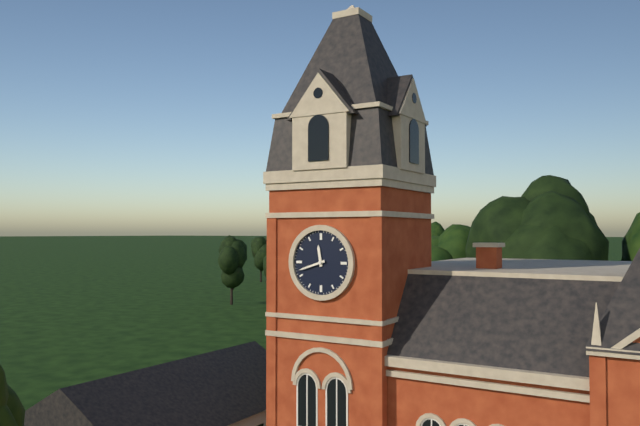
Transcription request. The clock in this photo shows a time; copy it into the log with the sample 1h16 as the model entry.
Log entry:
11h42
